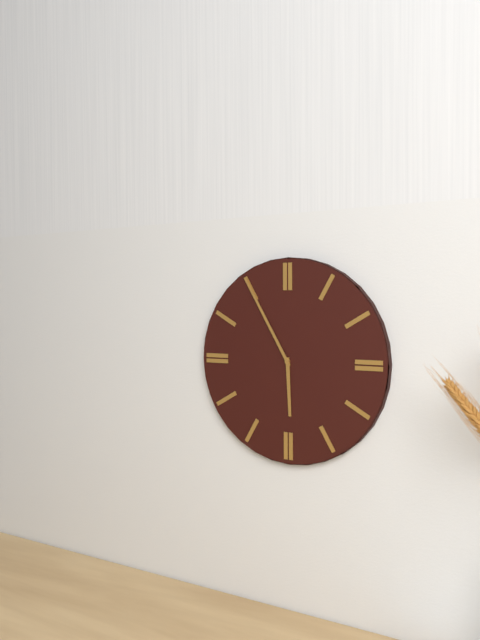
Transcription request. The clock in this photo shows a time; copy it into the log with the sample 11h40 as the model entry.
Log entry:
5h55
